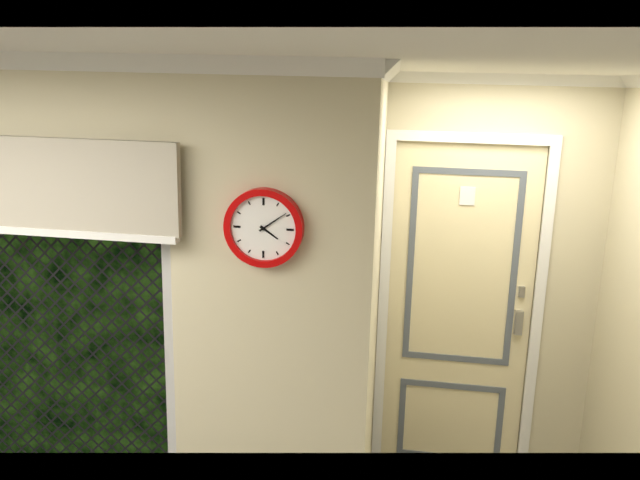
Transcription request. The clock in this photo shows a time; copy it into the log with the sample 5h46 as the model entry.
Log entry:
4h09
